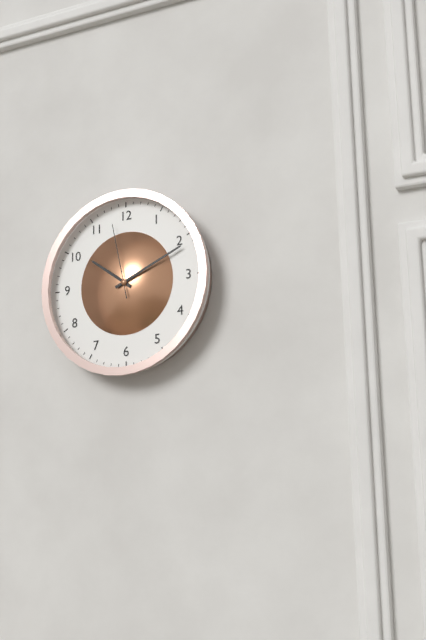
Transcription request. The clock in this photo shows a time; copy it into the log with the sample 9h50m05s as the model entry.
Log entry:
10h11m58s
